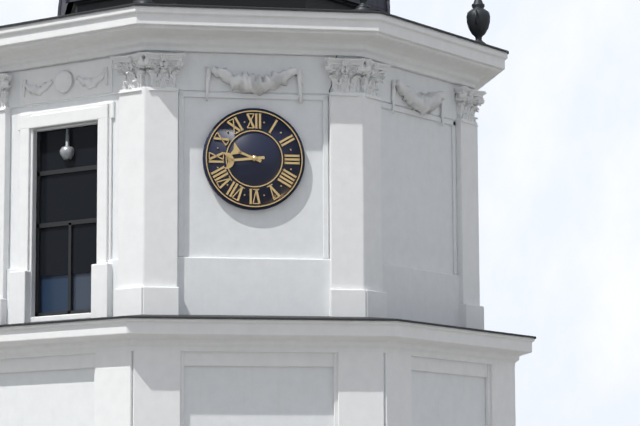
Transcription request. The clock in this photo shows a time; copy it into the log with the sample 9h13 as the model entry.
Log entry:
9h44
